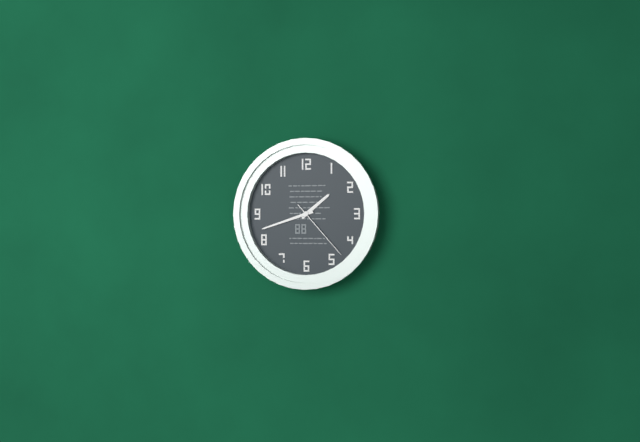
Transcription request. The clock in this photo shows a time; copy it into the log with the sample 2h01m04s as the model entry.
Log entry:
1h42m23s
